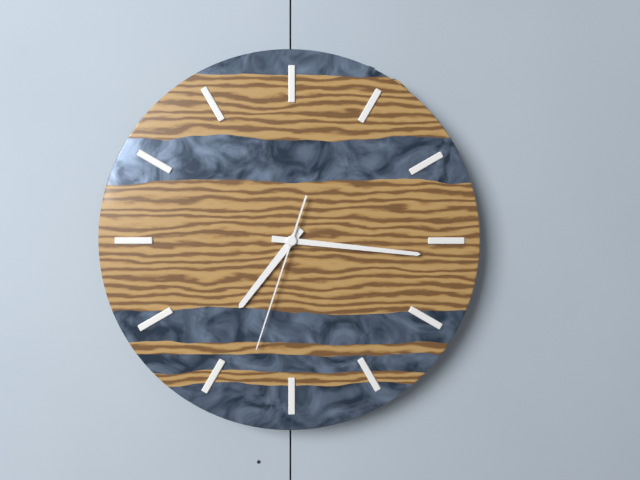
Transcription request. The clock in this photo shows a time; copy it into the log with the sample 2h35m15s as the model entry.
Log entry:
7h16m33s
